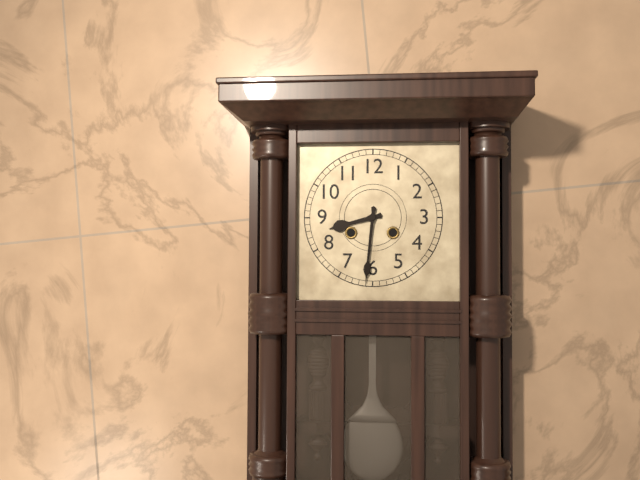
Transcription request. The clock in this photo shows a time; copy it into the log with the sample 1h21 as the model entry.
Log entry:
8h31
